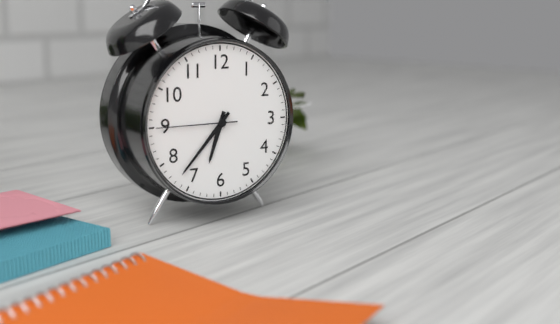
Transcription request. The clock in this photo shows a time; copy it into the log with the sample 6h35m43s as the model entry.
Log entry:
6h37m45s
